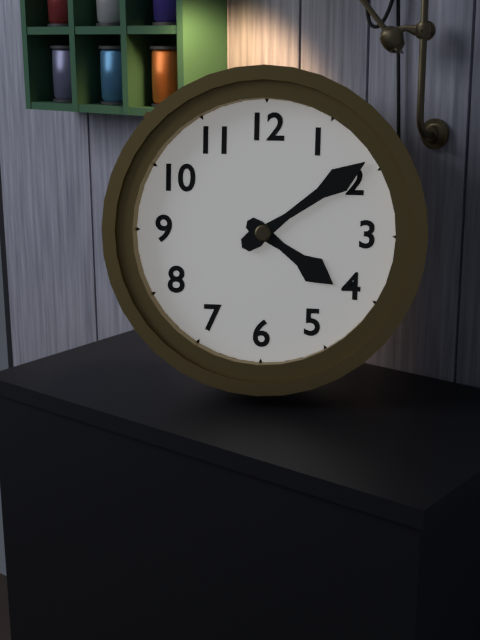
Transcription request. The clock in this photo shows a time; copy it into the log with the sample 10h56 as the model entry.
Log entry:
4h09
